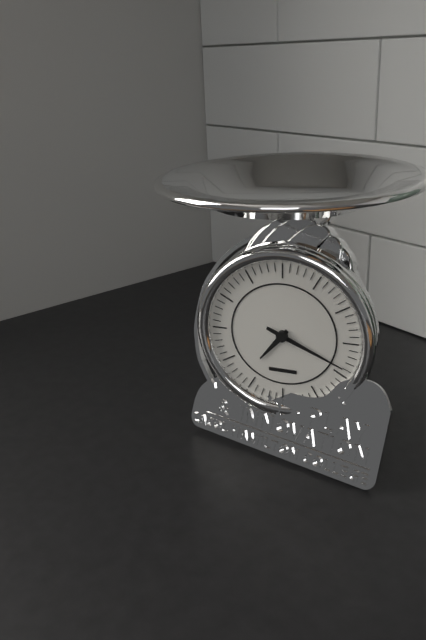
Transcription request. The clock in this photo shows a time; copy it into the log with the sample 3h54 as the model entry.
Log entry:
7h19
